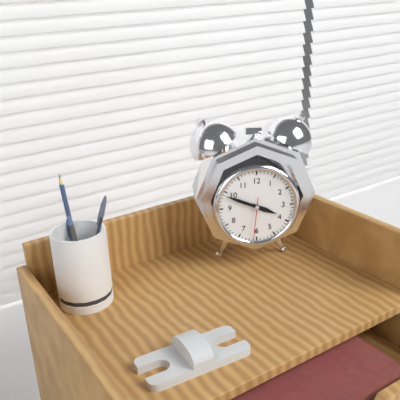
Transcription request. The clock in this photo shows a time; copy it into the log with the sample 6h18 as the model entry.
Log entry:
3h49
